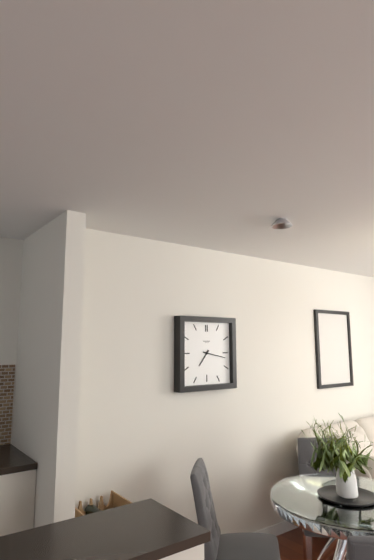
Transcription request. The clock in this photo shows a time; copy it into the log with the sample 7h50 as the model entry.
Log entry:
7h17
